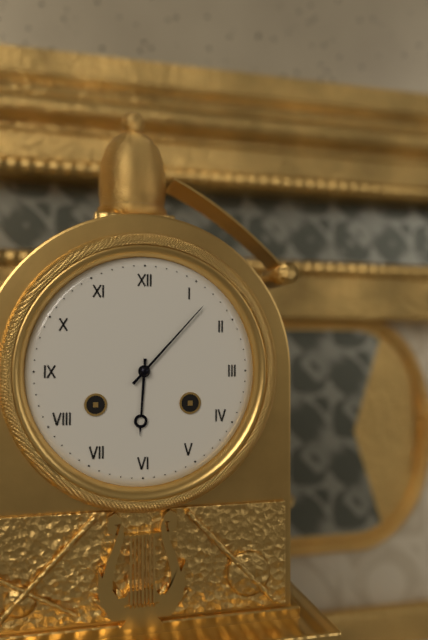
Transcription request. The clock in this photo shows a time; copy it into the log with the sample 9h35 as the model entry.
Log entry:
6h07
